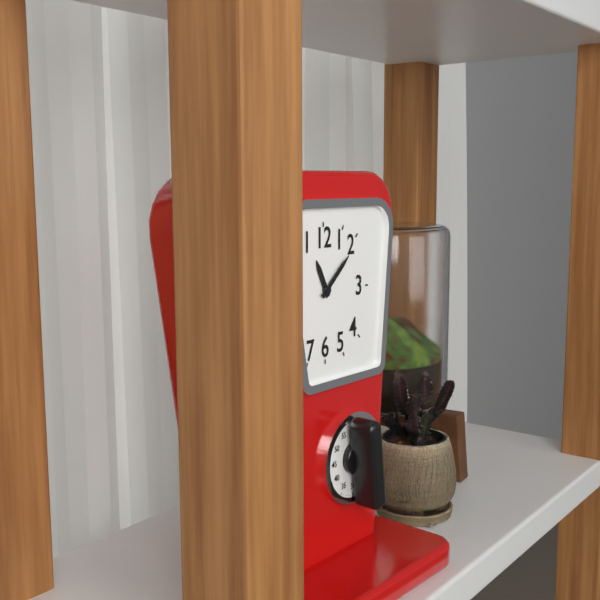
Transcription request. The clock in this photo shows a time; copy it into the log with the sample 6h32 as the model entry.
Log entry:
11h08
